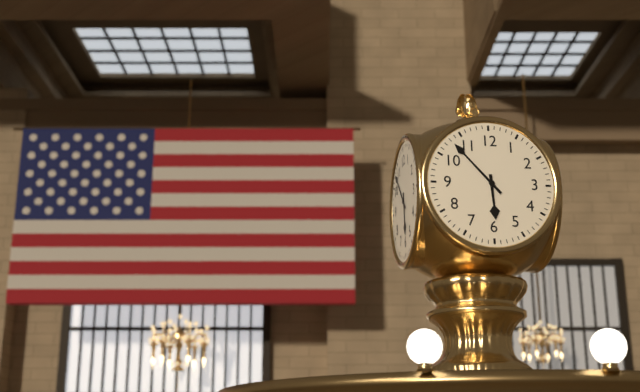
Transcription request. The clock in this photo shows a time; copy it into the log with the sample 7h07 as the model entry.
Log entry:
5h53
